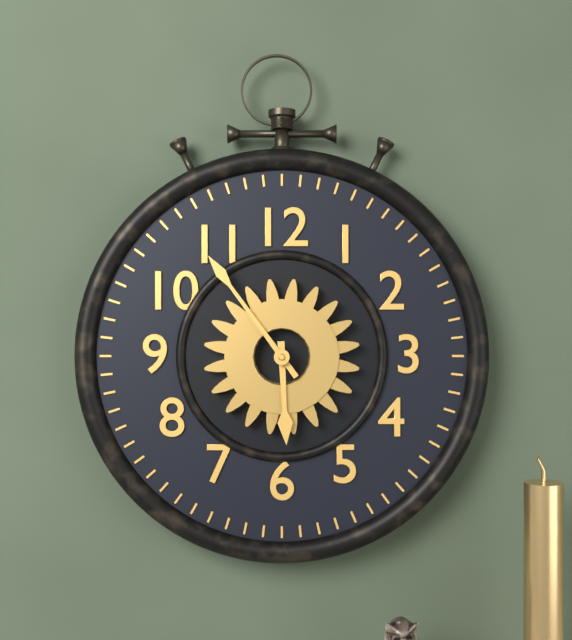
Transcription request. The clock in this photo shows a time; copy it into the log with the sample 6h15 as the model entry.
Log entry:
5h54
